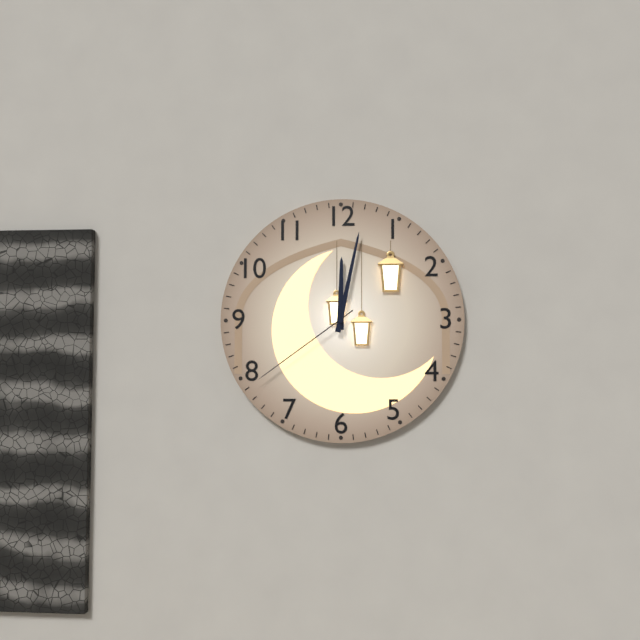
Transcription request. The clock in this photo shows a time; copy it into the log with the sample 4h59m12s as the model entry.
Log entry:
12h02m39s
